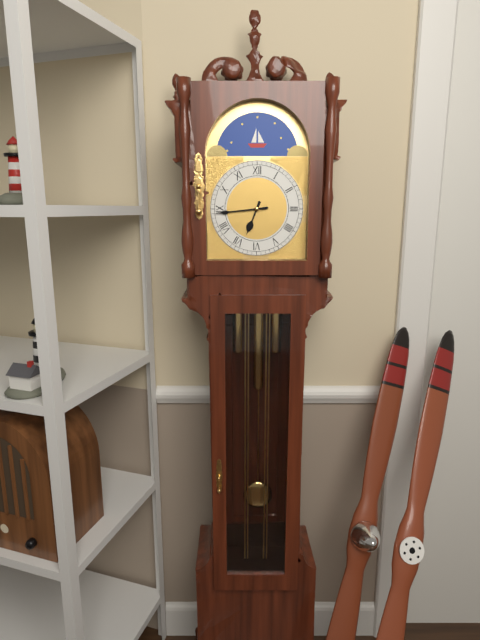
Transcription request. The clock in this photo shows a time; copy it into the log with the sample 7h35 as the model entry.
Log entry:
6h44
